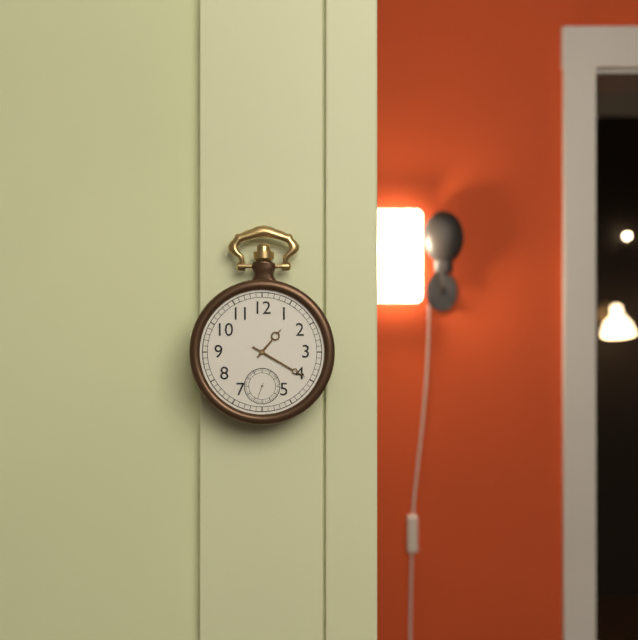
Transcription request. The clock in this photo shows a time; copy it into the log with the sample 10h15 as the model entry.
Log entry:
1h20
